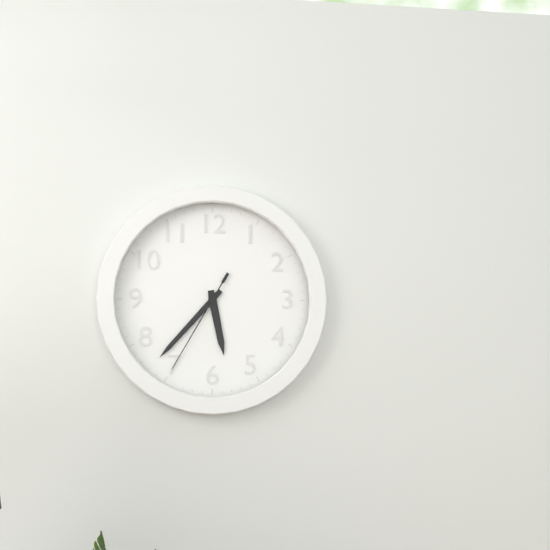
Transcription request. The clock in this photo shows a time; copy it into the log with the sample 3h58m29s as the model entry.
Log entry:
5h37m35s
